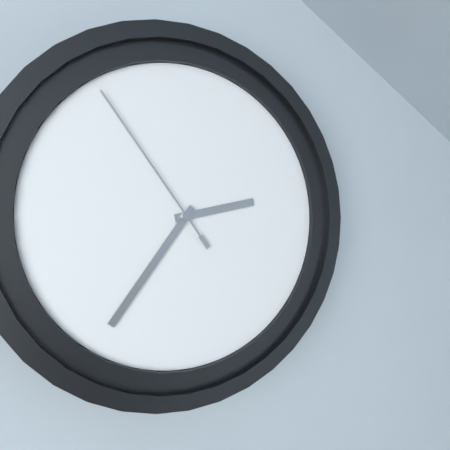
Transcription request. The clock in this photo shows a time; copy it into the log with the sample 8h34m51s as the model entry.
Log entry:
2h36m54s
